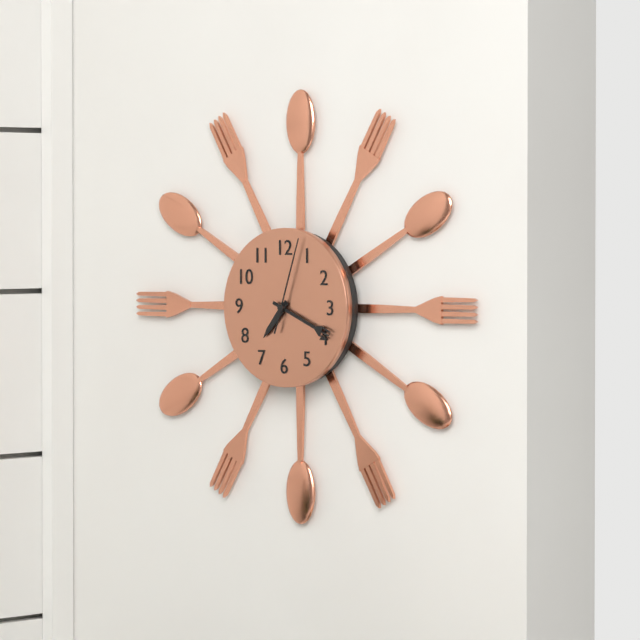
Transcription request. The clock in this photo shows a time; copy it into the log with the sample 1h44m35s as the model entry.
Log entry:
7h19m03s
